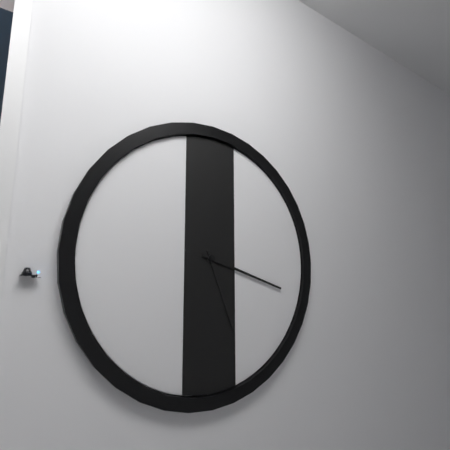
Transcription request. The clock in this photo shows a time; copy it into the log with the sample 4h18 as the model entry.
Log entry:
5h18
